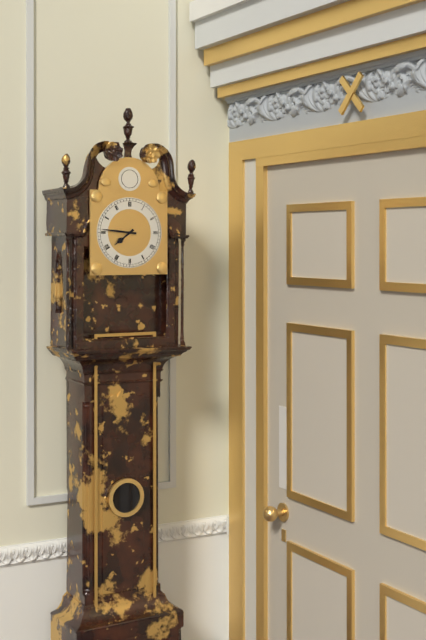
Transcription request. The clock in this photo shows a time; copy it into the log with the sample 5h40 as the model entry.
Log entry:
7h46
